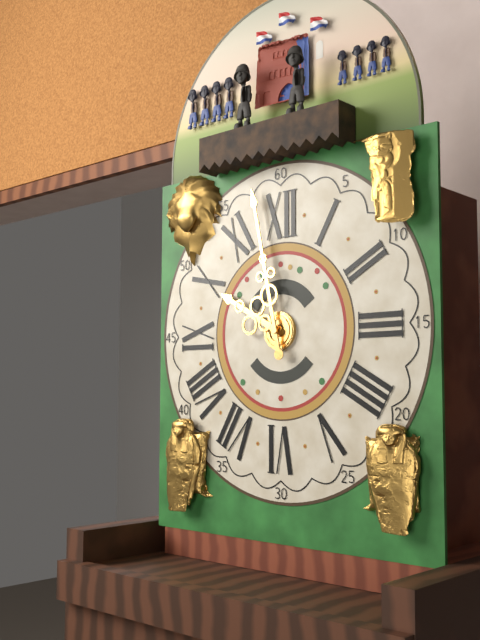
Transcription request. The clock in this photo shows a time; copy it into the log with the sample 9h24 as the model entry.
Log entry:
9h58
